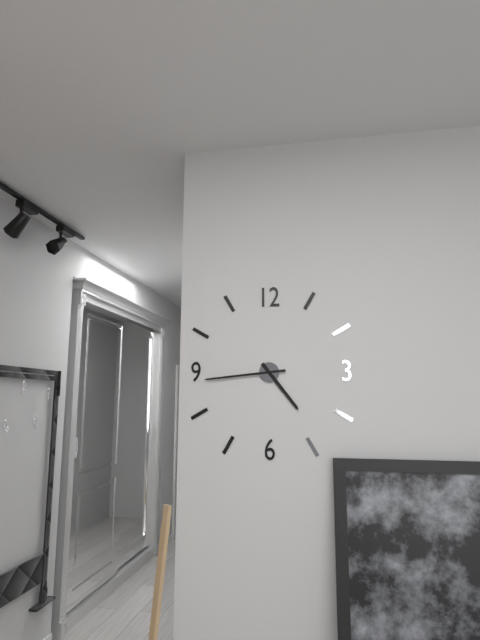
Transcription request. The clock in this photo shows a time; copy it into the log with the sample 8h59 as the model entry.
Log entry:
4h44
